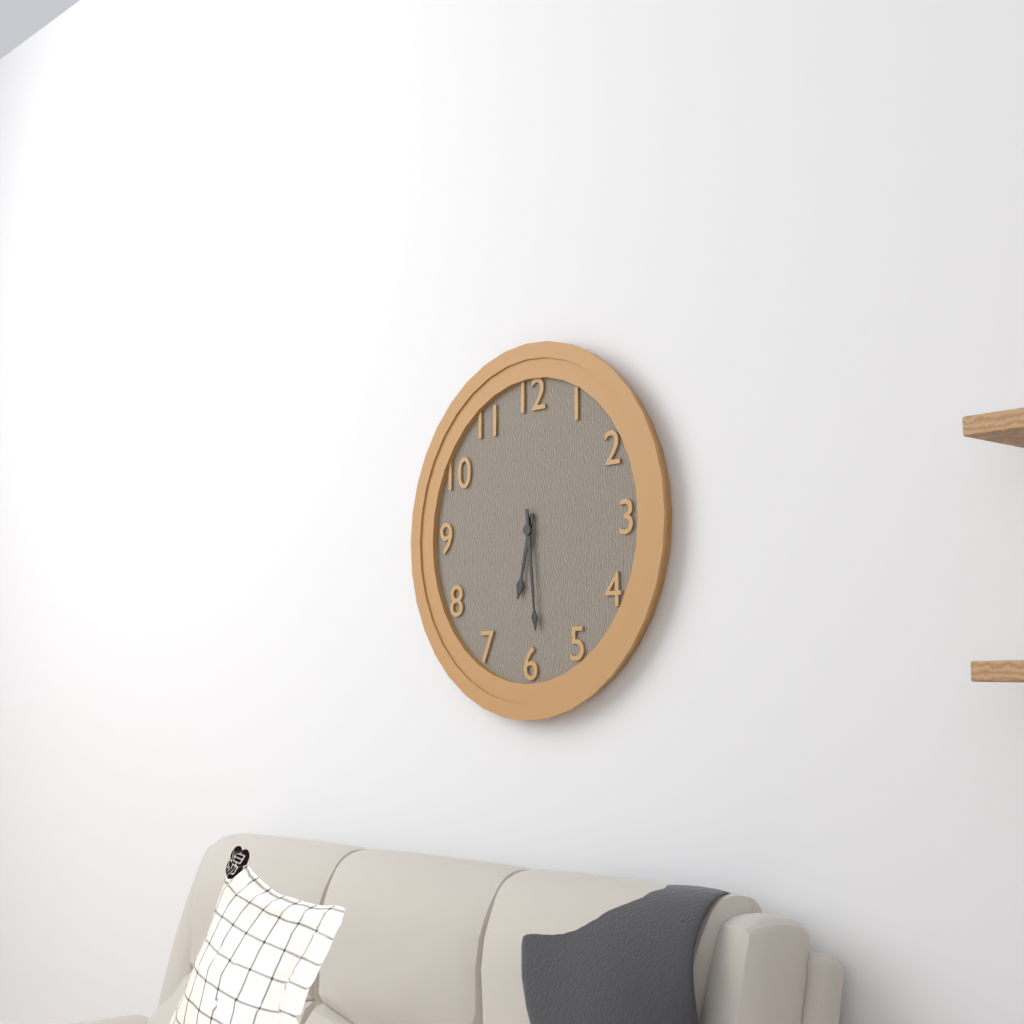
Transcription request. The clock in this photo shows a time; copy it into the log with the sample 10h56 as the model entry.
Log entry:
6h29
